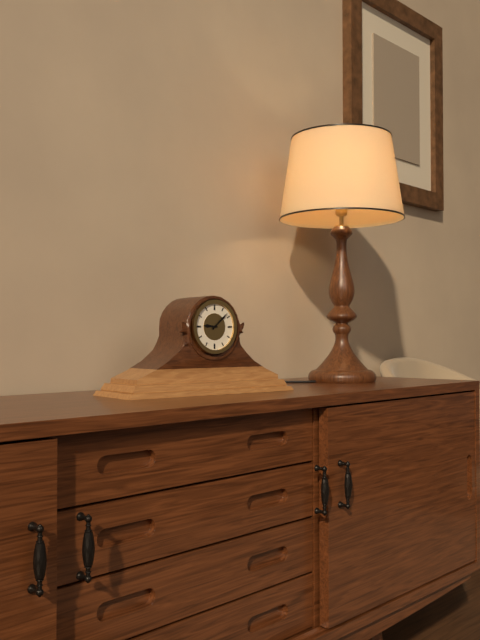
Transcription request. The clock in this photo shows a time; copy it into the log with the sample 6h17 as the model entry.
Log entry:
9h08
